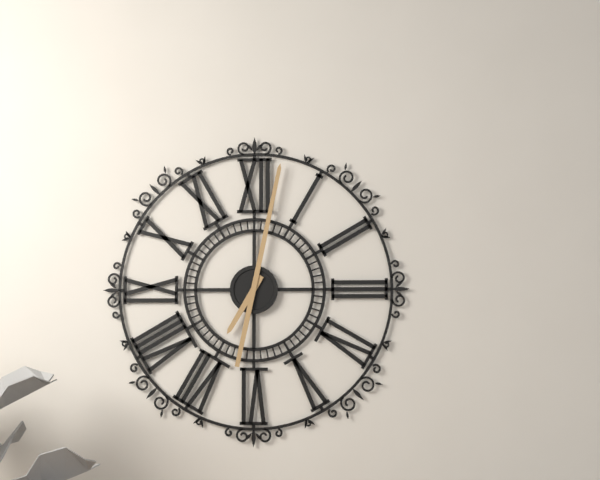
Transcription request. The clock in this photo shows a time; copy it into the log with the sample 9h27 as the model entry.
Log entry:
7h02
